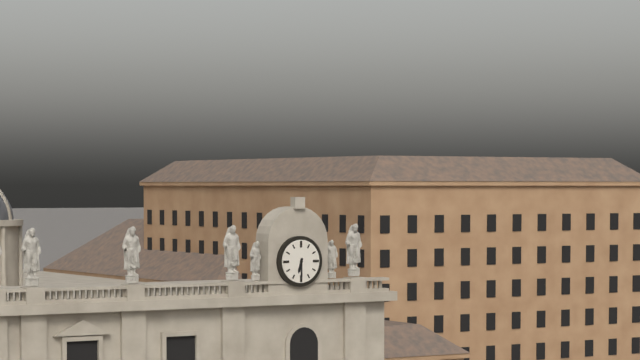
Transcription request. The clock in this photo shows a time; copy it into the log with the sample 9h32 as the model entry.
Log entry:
6h30
